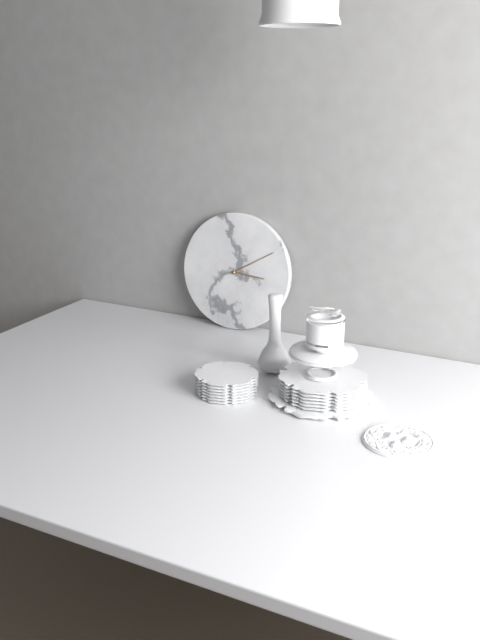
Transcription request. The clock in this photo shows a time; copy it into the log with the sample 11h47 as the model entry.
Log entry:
3h10
